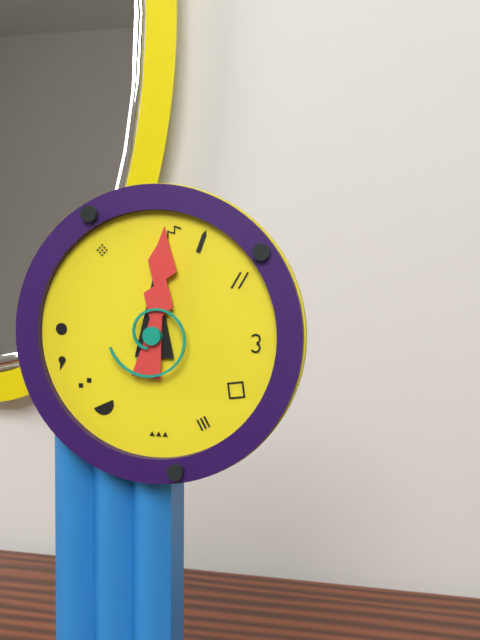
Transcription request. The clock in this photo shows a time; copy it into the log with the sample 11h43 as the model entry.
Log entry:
12h01
